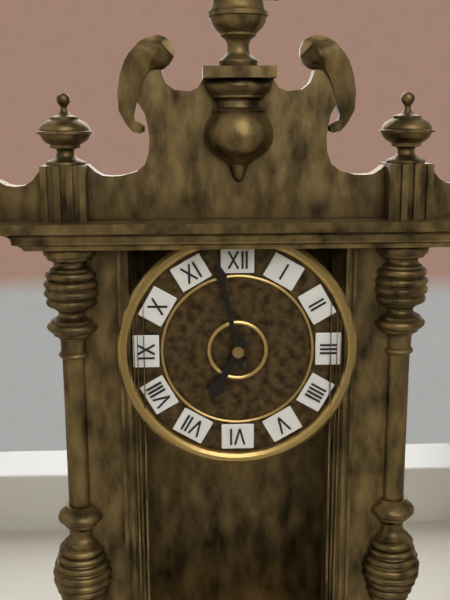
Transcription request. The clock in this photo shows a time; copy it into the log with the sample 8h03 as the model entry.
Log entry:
6h58
